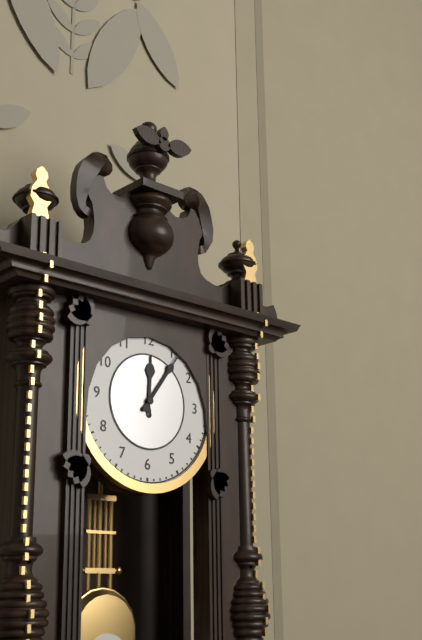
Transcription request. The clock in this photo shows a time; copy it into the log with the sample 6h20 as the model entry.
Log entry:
12h06
